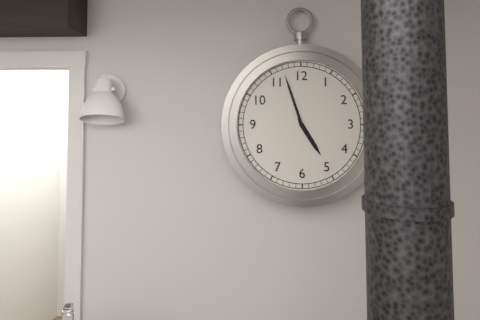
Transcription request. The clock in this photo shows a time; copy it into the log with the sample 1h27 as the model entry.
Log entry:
4h57
